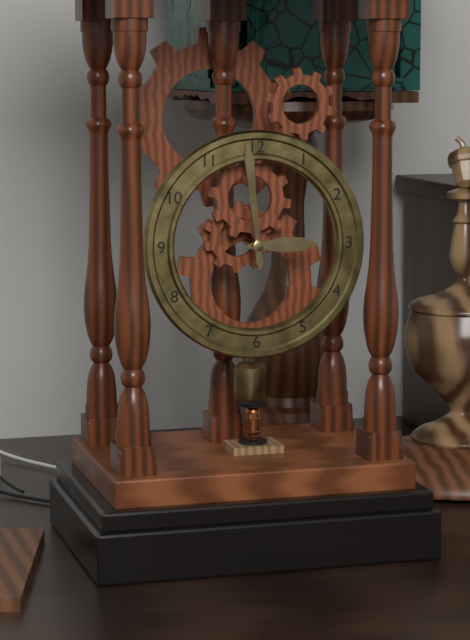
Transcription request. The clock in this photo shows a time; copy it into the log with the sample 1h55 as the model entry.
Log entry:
2h59
